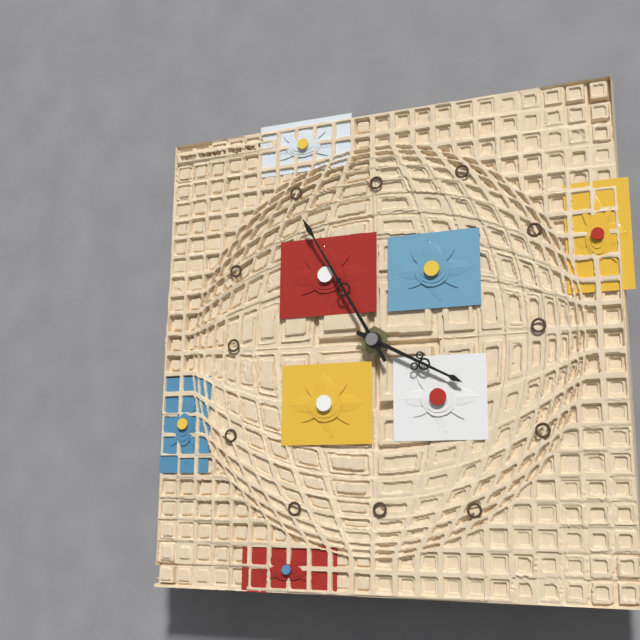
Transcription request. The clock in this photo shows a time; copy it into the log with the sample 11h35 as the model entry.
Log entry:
3h55
